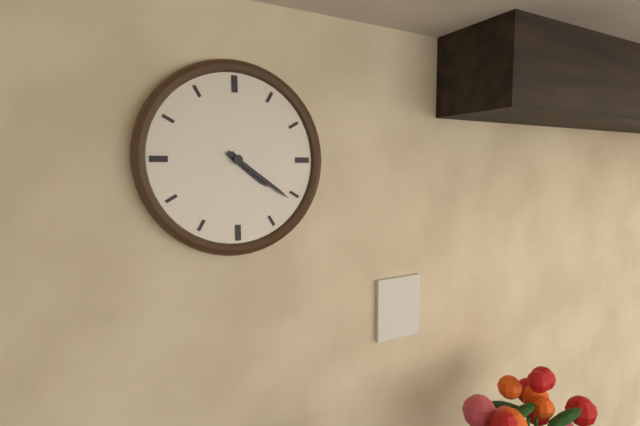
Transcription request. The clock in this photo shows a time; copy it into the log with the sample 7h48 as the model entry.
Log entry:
4h21
